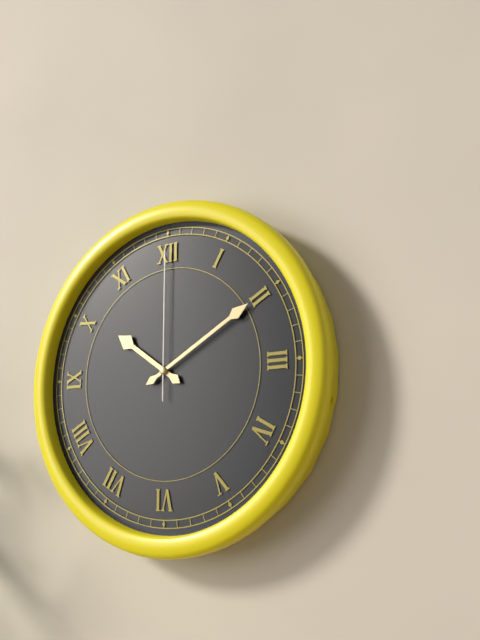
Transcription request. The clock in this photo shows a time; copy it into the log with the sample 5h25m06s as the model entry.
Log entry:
10h10m00s
